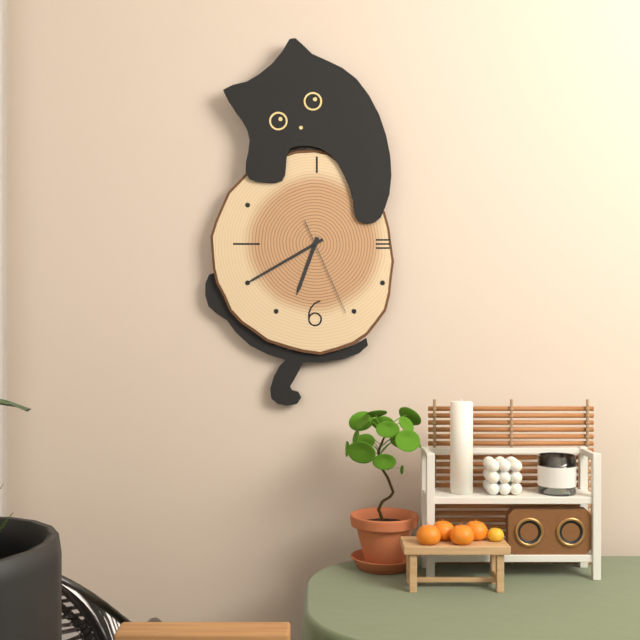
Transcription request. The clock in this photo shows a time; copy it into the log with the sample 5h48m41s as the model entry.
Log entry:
6h40m26s
